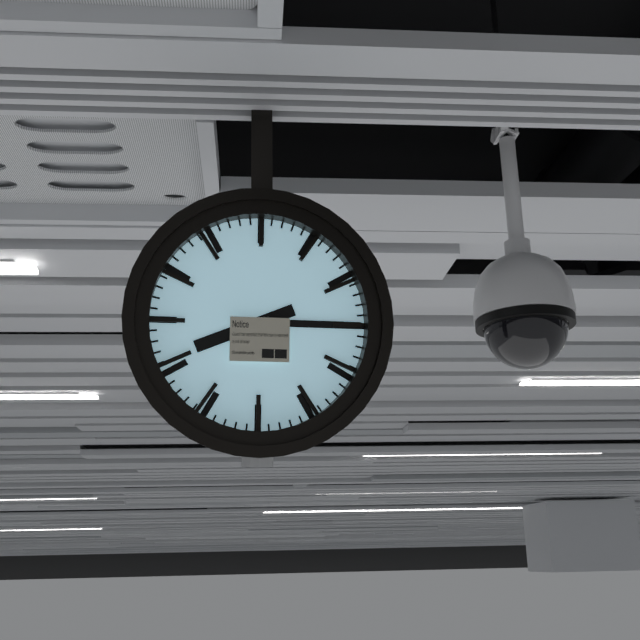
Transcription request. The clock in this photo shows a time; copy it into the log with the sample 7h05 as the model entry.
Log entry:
8h15
